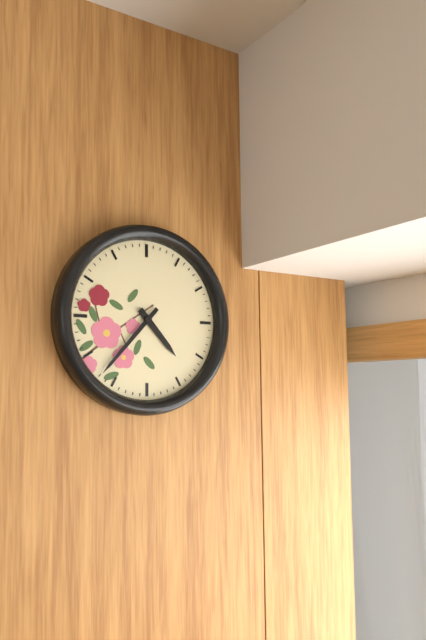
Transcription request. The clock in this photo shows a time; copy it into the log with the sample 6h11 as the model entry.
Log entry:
4h37
